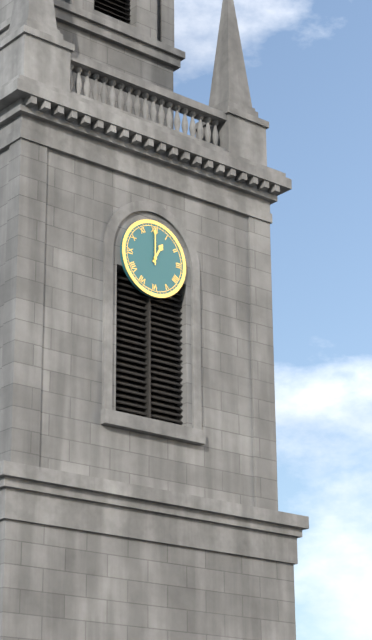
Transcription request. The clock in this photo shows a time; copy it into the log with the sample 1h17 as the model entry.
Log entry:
1h00
